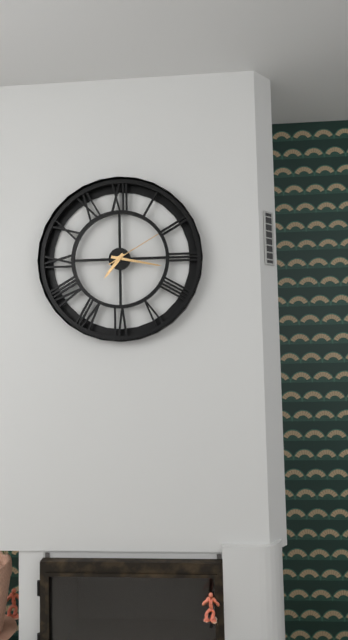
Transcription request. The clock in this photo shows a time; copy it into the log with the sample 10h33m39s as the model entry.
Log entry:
7h17m10s
